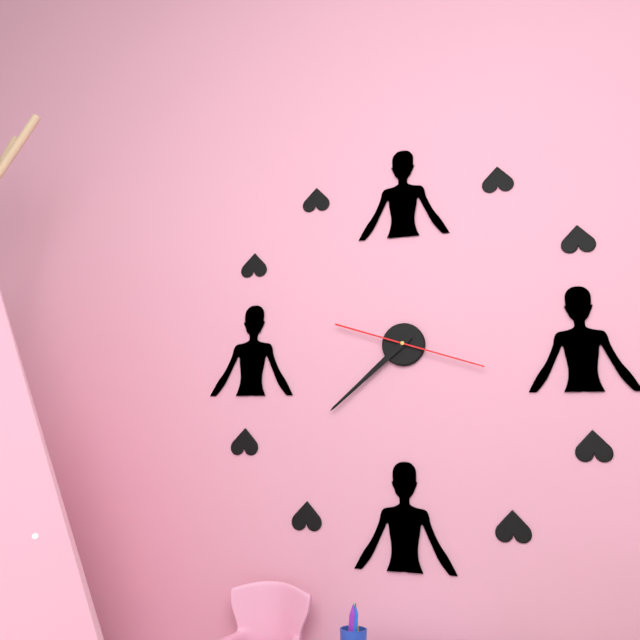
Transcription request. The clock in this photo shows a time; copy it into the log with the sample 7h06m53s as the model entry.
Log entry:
7h38m18s
